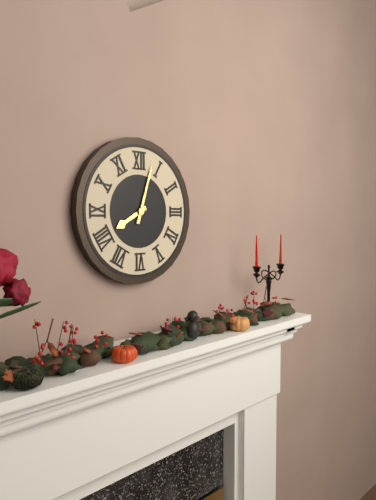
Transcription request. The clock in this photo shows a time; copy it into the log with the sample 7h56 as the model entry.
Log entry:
8h03
